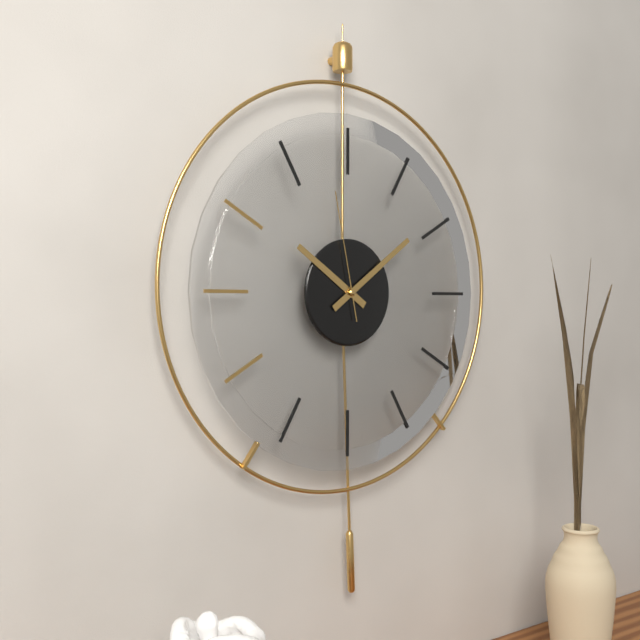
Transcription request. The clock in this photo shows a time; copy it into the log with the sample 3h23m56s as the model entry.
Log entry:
10h09m58s
